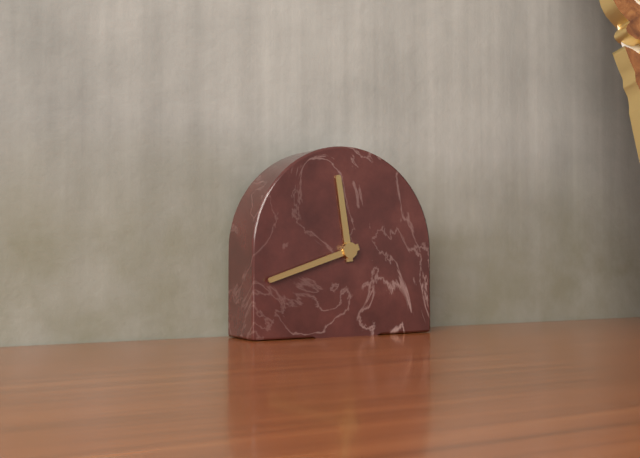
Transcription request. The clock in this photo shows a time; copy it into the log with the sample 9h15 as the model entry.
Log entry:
11h42
